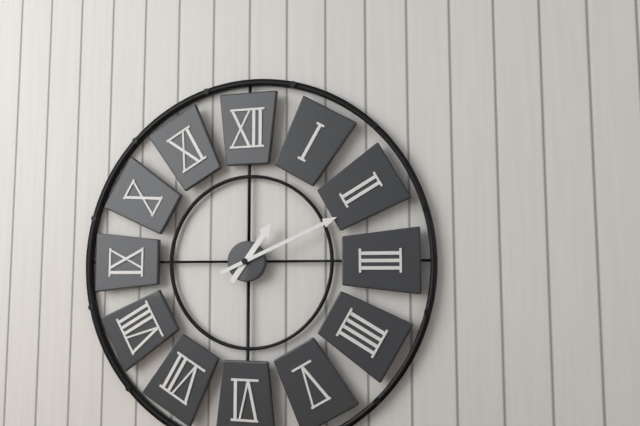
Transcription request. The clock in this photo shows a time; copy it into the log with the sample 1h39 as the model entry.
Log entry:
1h11
